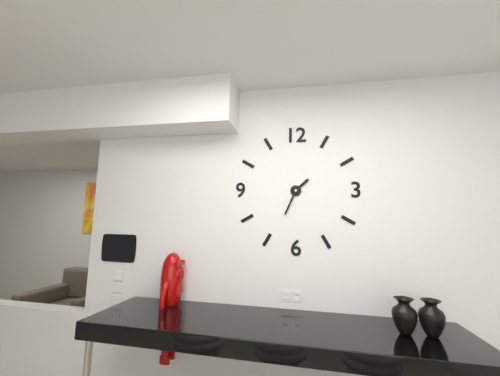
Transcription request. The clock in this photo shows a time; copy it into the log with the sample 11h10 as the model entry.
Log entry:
1h34
